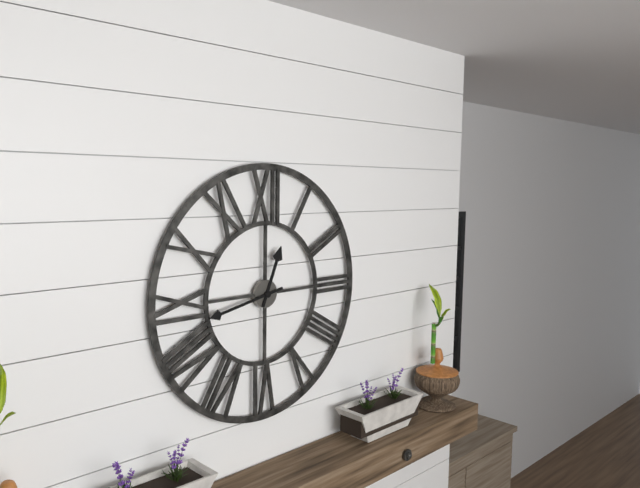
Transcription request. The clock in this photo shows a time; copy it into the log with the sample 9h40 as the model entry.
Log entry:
12h43
